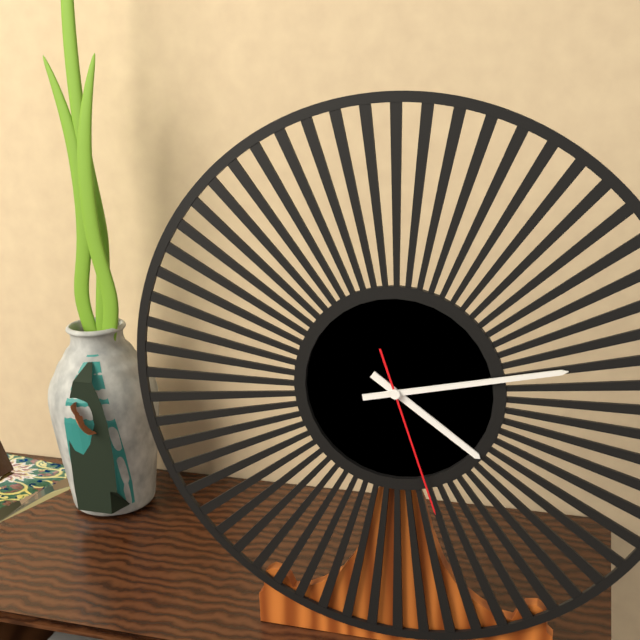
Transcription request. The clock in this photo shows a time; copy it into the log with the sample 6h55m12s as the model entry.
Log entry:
4h13m27s
